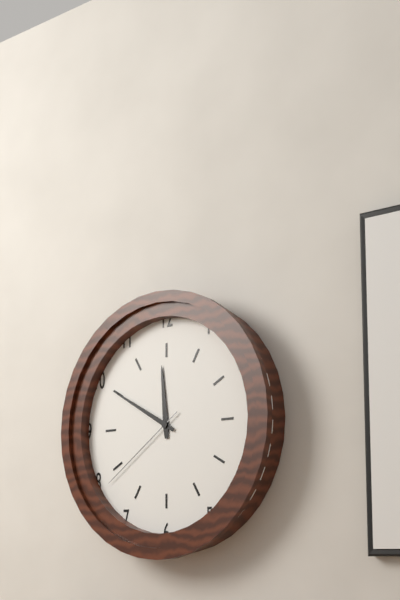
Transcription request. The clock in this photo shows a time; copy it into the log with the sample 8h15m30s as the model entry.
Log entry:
11h50m39s
